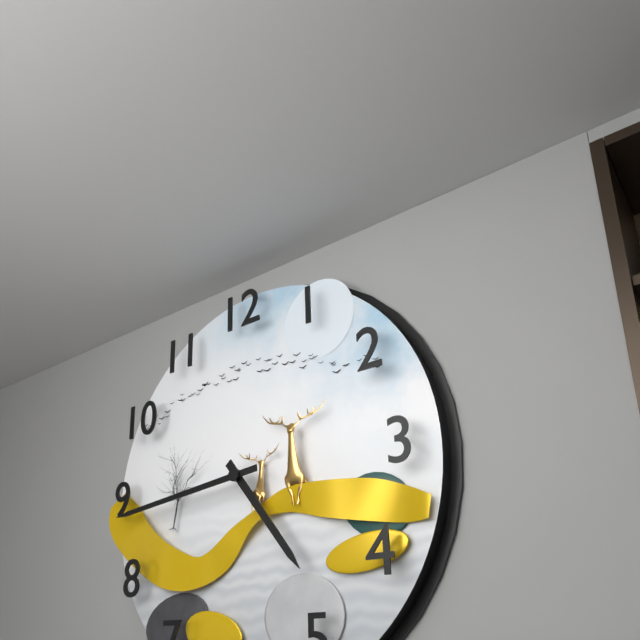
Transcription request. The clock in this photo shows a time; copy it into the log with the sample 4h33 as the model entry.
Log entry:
4h44
